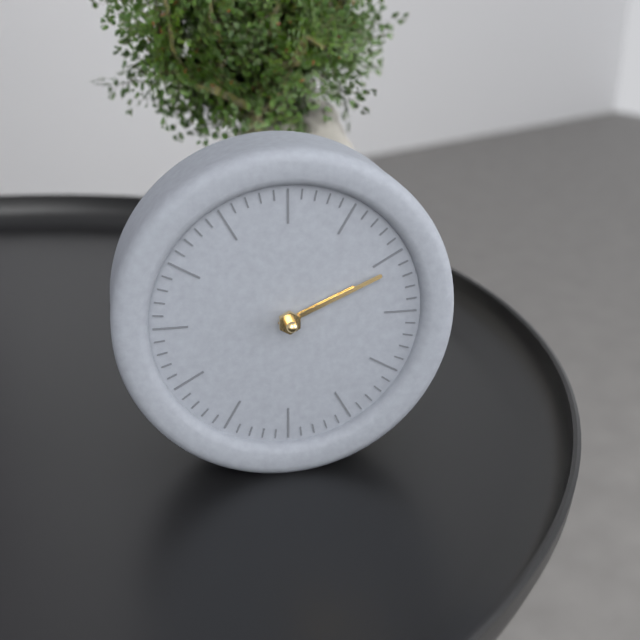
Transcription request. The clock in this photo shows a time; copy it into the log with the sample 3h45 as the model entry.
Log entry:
2h11
